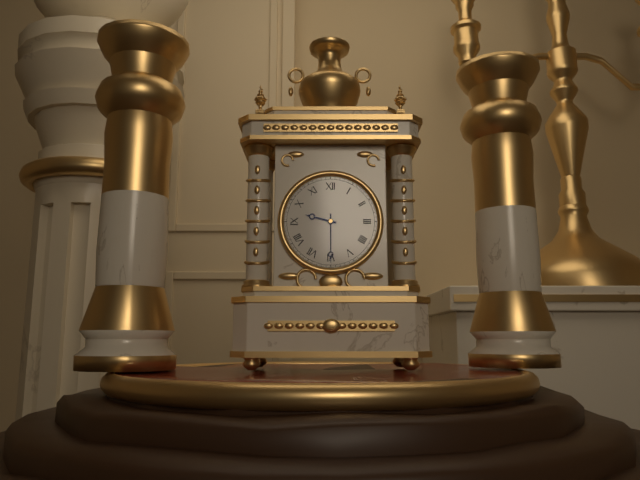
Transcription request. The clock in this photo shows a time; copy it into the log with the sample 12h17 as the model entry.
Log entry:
9h30
